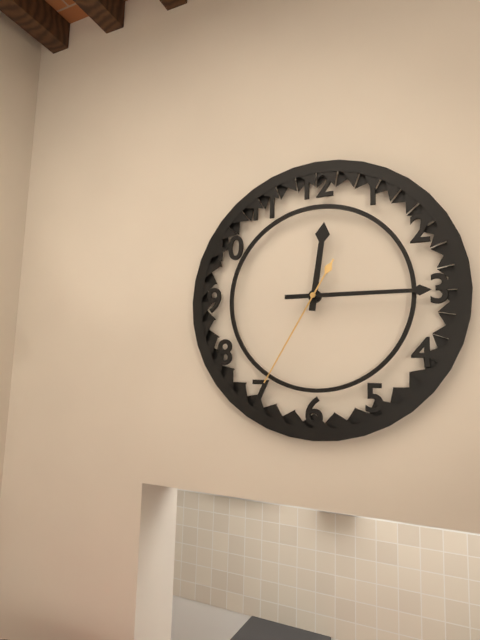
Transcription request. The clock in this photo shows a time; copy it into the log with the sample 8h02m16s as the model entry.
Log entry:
12h15m35s
